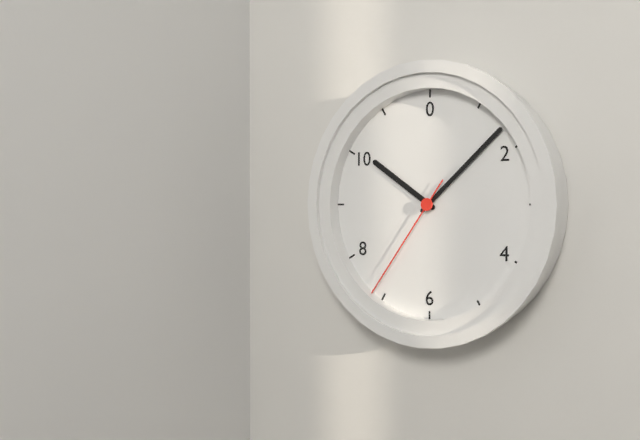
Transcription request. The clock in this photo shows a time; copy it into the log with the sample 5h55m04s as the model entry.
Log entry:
10h08m36s
